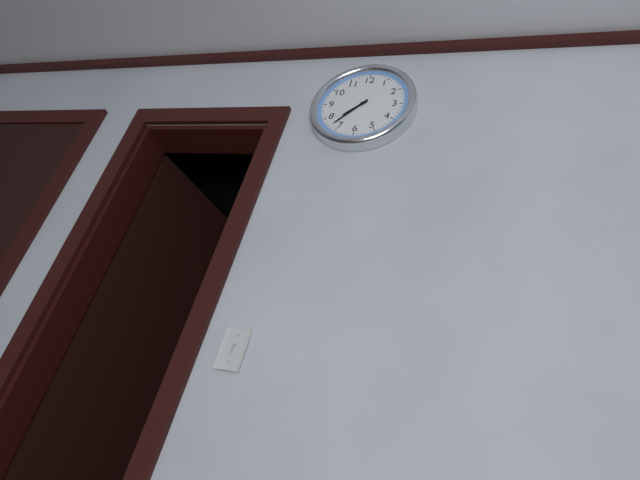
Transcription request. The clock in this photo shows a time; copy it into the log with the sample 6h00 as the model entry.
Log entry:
7h37
